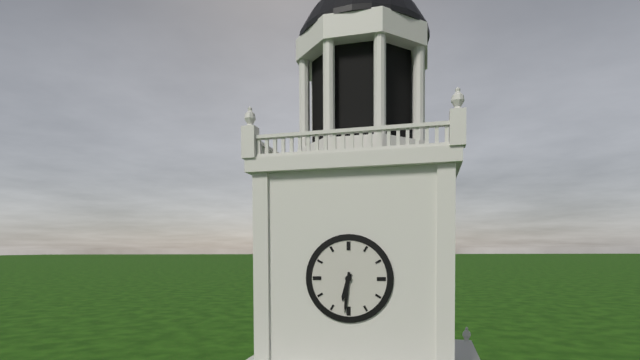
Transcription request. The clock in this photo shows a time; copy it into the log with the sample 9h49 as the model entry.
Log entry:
6h31
